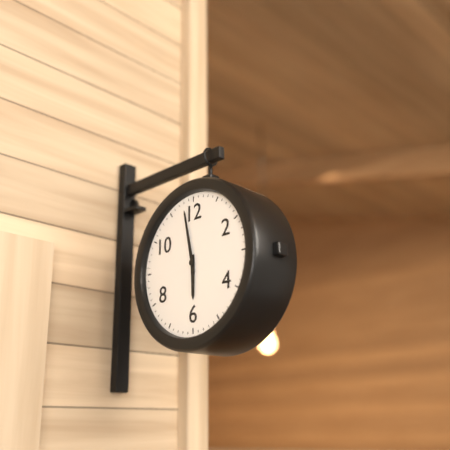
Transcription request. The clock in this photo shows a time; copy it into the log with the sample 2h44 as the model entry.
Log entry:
5h58
